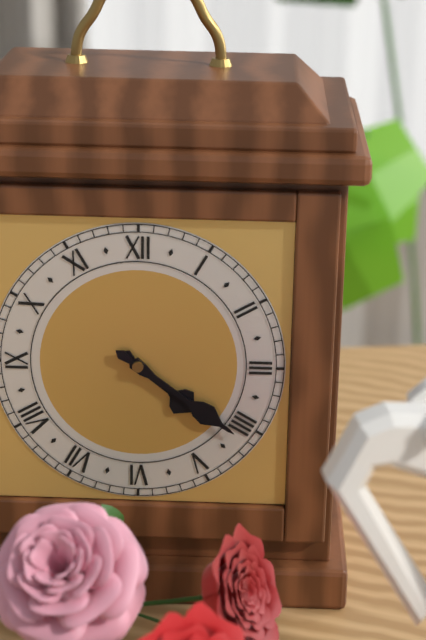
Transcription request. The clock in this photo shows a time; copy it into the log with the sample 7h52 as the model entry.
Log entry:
4h21
